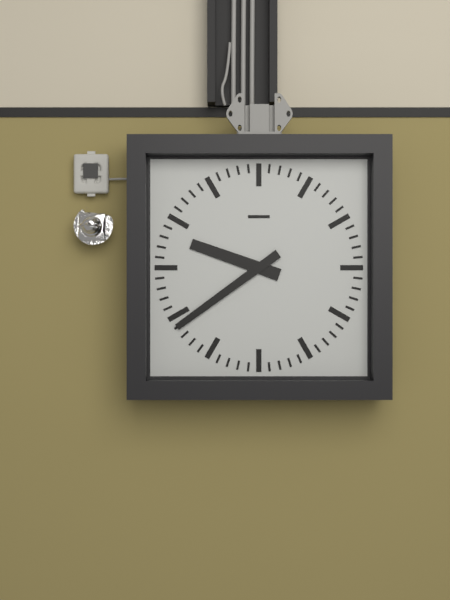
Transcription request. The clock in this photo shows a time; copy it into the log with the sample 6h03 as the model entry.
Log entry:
9h39
